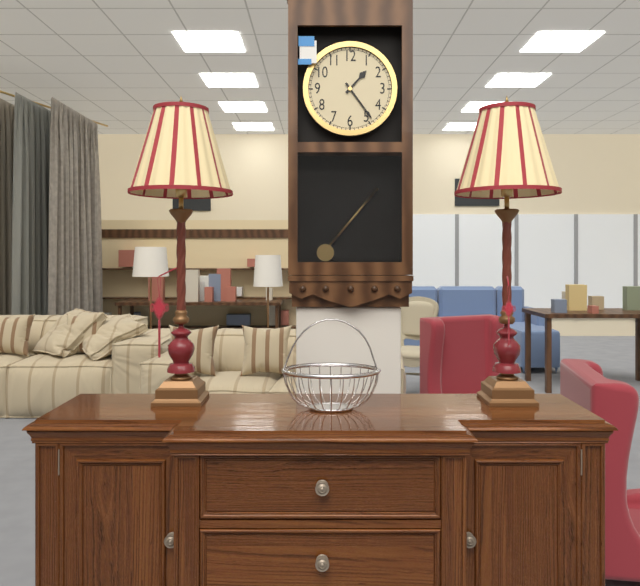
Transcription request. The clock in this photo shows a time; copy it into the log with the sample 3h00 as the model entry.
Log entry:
1h24
